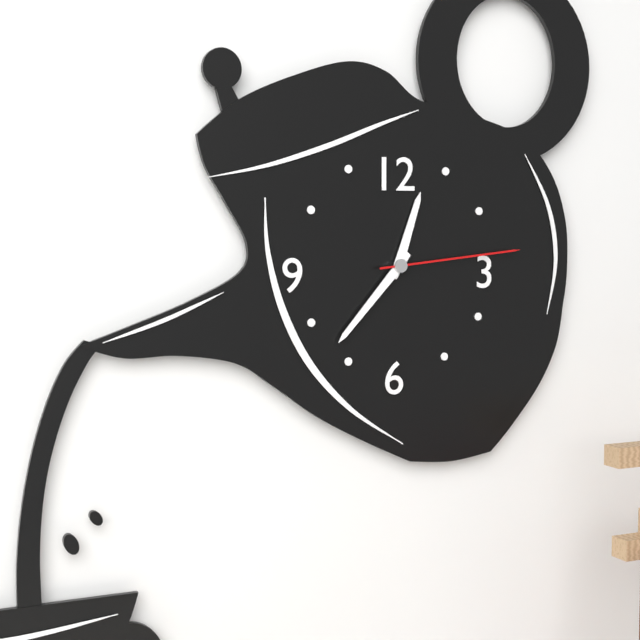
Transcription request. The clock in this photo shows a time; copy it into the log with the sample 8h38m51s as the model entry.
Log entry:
12h37m14s
